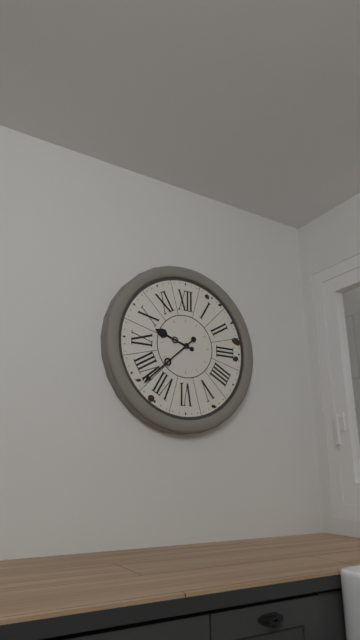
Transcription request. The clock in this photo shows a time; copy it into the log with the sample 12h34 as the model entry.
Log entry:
9h38
